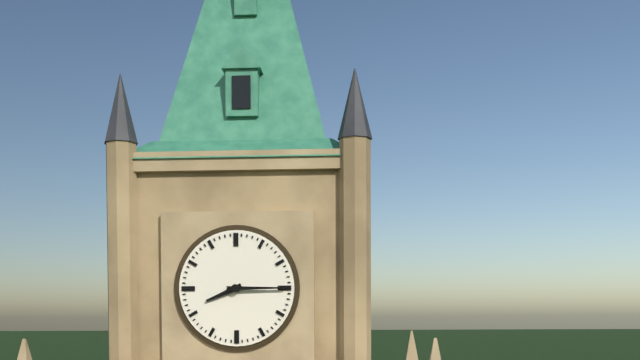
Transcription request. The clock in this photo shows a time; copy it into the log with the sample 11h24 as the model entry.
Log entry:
8h15
